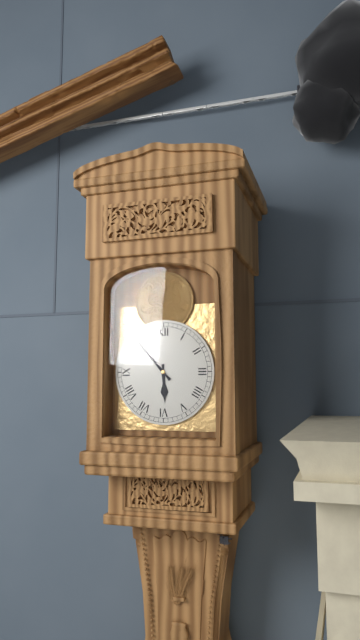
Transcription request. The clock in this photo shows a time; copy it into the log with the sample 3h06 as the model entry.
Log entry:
5h53
